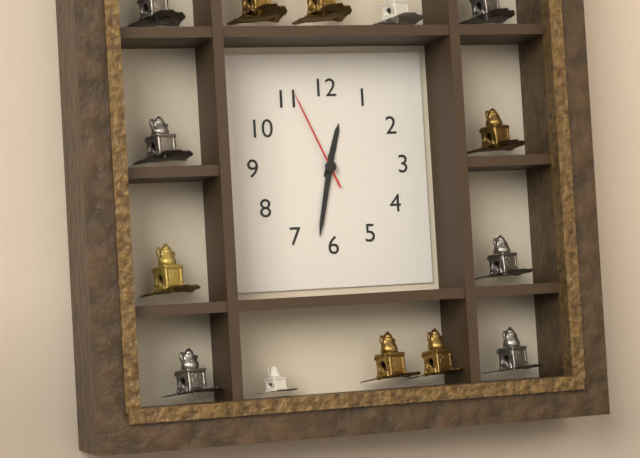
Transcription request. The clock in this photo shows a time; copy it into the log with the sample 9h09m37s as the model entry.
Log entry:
12h32m56s
